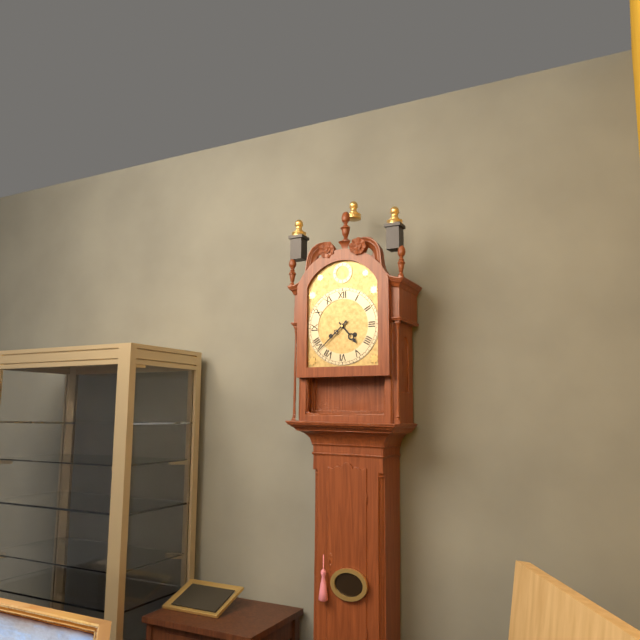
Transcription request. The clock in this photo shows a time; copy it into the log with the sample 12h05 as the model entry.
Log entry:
4h38
